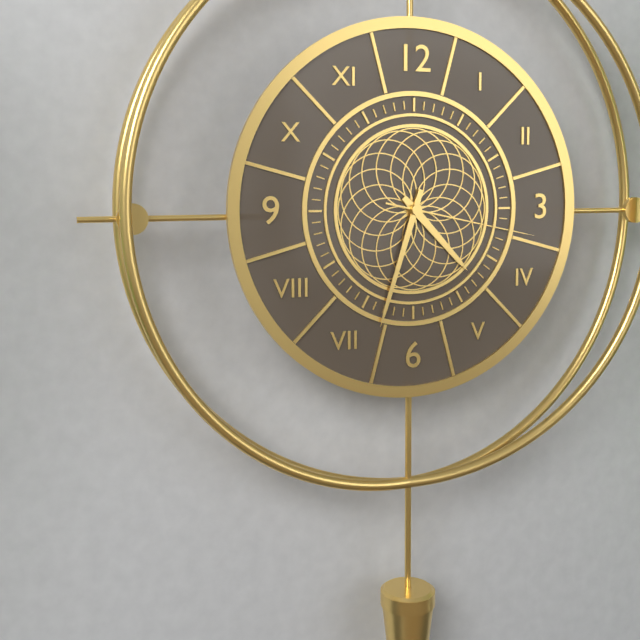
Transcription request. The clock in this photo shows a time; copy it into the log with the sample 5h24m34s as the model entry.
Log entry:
4h33m17s
